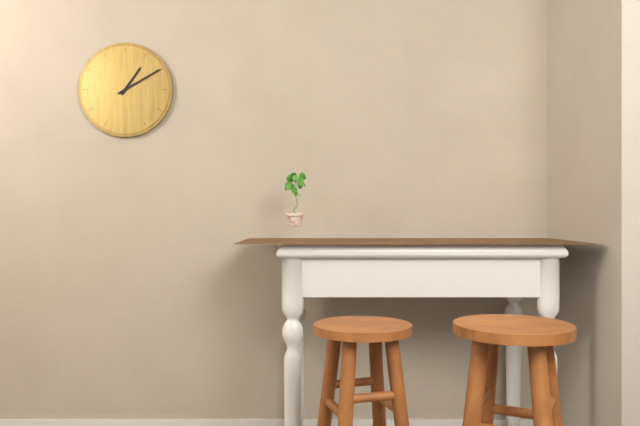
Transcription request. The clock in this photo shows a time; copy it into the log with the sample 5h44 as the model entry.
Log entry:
1h10
